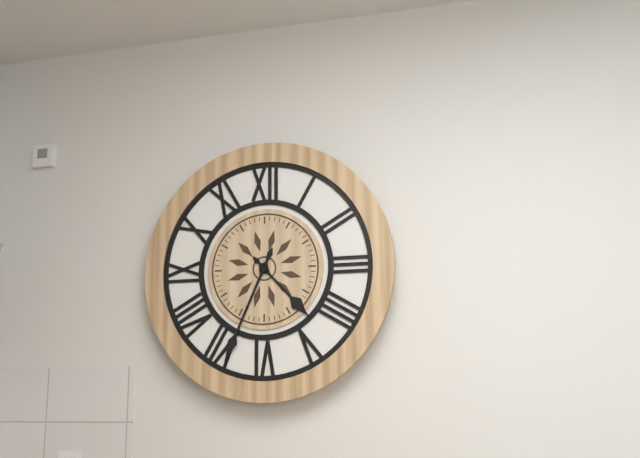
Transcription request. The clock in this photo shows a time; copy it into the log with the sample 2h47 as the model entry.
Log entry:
4h34
